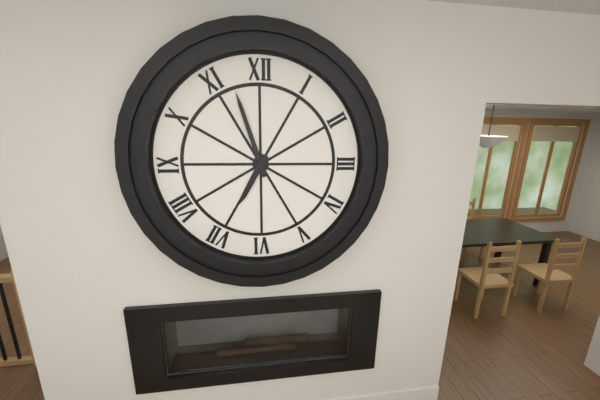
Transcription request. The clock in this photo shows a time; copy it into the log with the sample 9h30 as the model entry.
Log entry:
6h57
